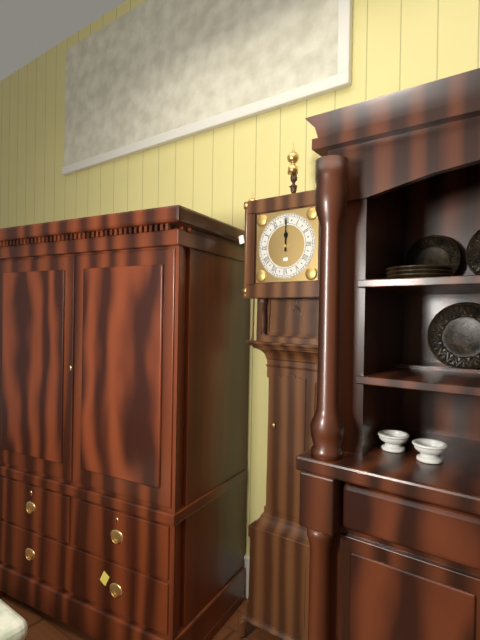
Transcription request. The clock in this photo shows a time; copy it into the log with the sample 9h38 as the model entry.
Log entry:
12h00
